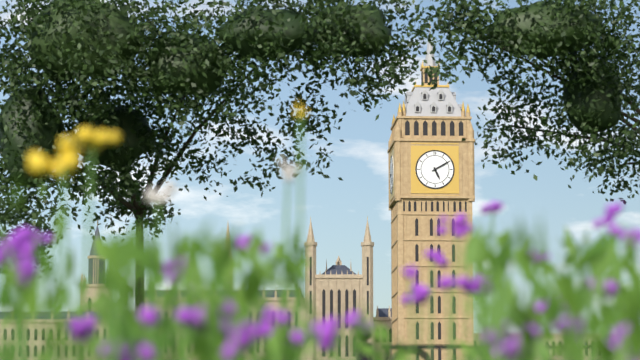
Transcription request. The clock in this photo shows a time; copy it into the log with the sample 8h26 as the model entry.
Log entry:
5h10
